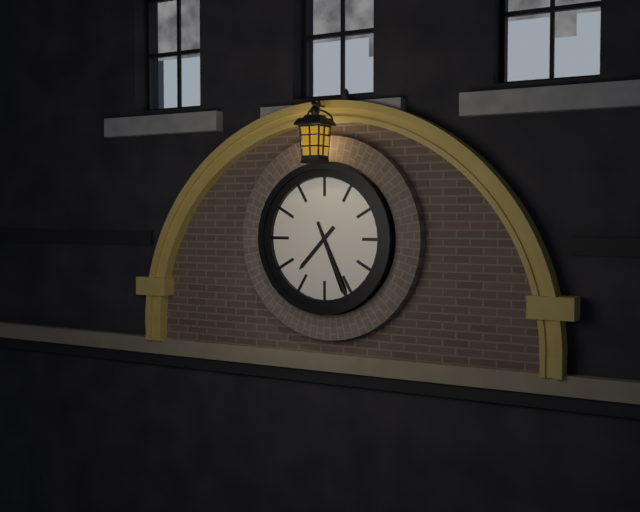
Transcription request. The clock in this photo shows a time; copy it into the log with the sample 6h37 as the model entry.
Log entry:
7h26
